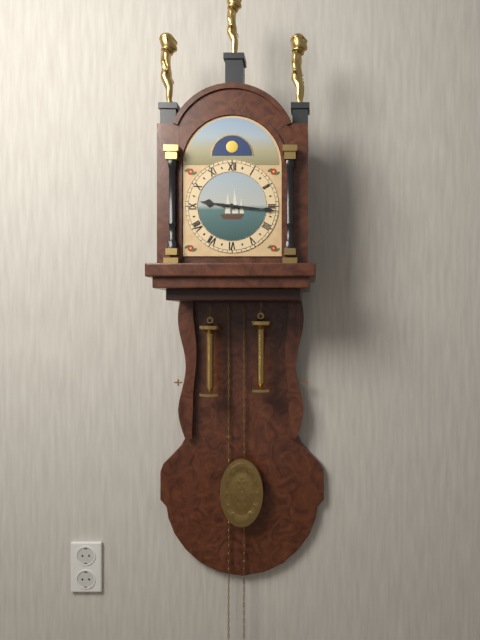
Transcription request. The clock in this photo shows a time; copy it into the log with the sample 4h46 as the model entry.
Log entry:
9h16
